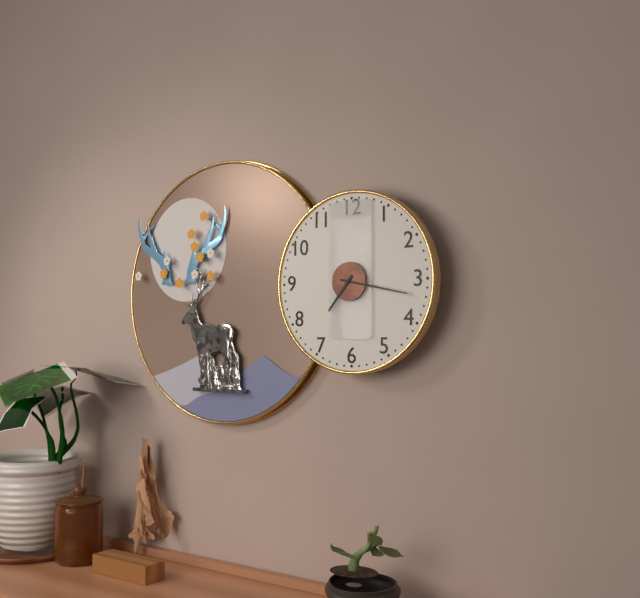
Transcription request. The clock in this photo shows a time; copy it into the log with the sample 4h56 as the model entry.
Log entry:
7h17
